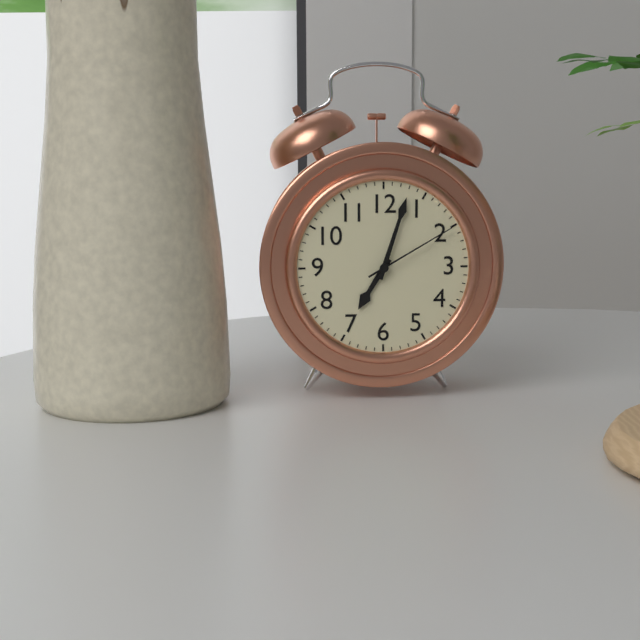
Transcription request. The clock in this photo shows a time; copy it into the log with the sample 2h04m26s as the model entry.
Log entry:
7h03m10s
